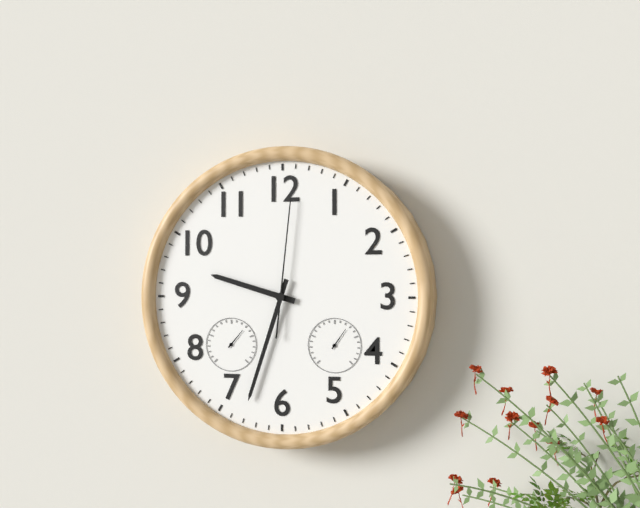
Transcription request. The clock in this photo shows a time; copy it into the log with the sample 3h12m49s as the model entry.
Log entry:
9h33m01s
